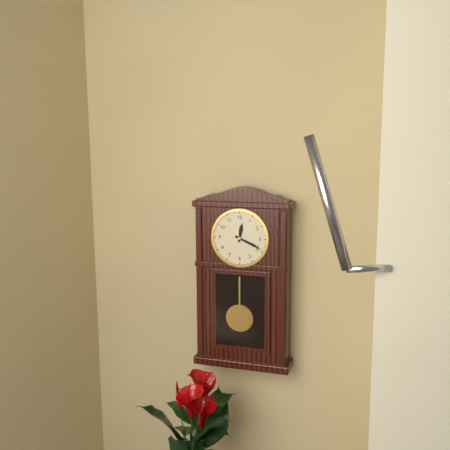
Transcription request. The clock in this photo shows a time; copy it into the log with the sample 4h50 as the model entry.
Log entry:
12h19
